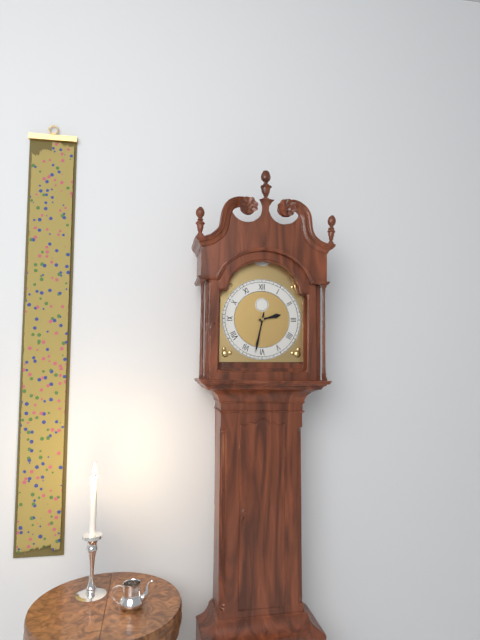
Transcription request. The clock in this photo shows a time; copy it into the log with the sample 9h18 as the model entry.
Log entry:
2h32
